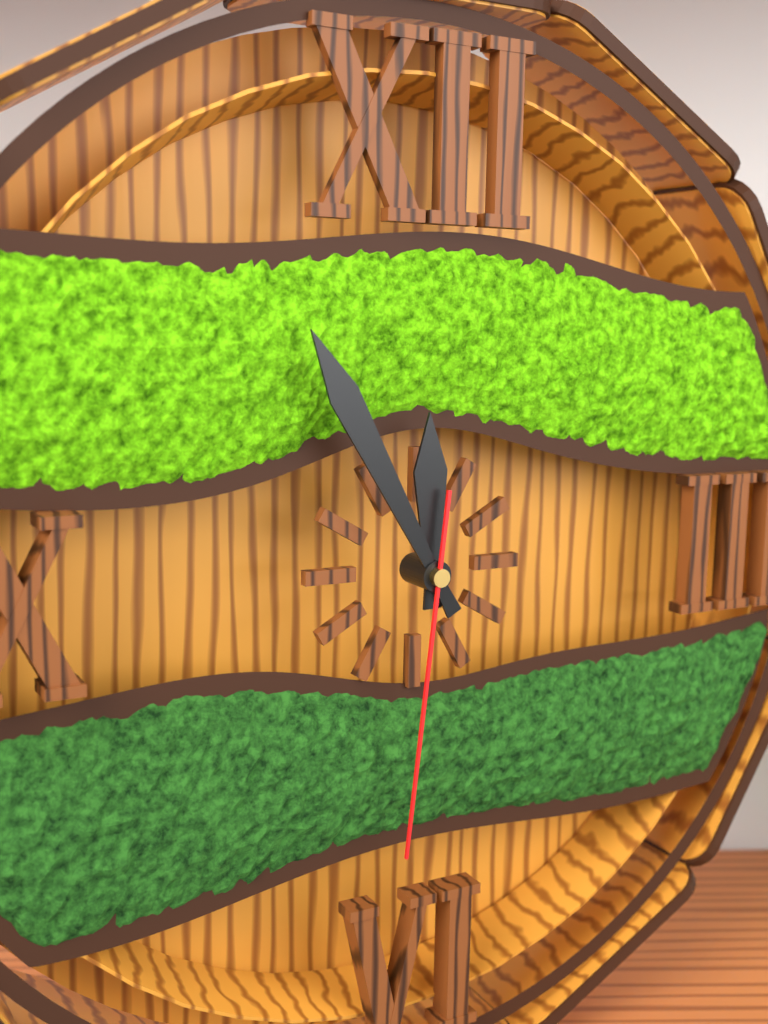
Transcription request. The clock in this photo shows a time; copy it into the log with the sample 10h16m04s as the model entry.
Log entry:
11h55m31s
